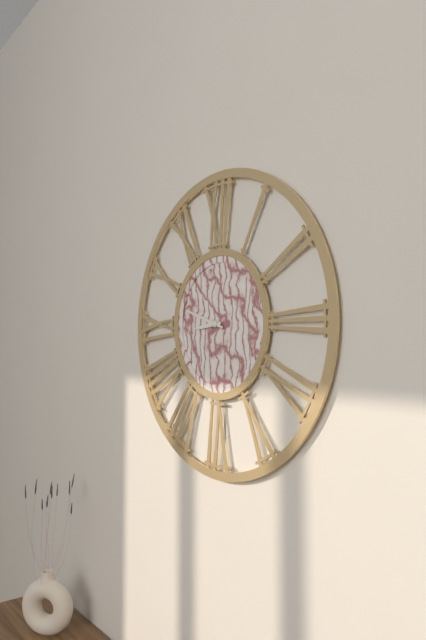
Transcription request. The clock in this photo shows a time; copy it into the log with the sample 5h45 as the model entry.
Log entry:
8h48
